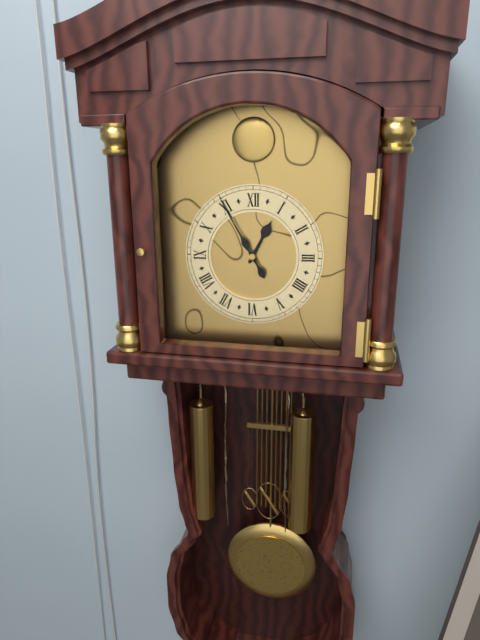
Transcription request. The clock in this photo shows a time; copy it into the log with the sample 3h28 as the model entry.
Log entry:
12h55
